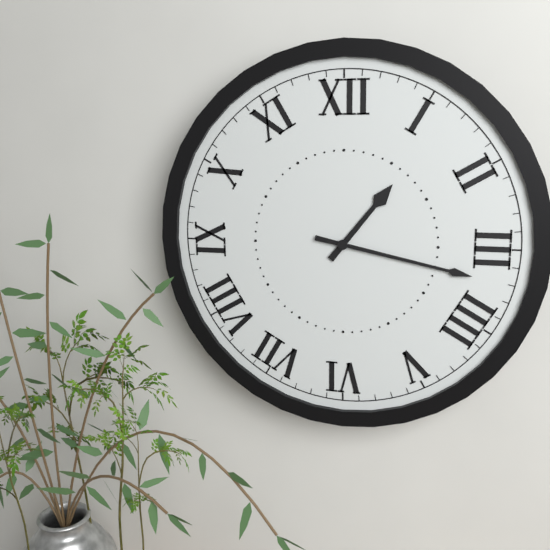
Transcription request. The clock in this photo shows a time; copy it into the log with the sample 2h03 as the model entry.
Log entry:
1h17
